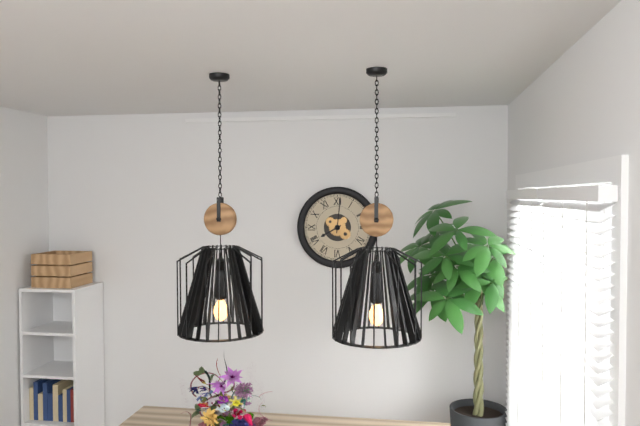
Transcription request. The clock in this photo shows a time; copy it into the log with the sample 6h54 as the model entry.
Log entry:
8h01
